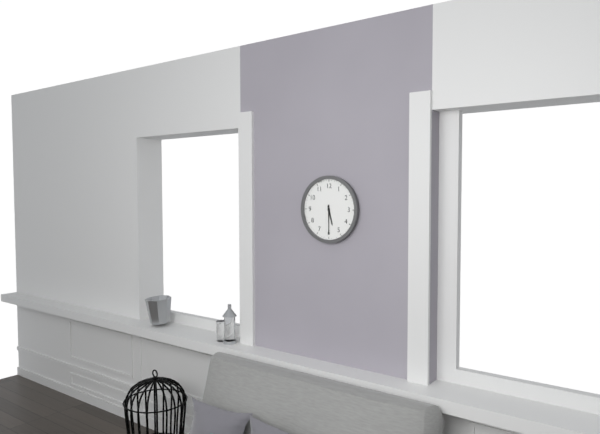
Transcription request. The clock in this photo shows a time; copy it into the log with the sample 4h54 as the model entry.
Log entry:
5h30
